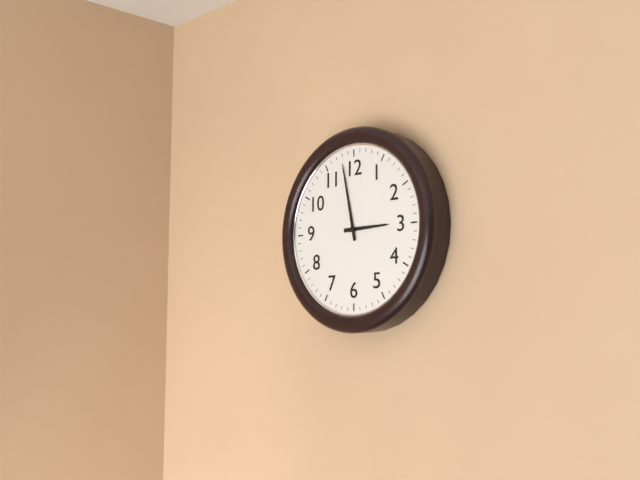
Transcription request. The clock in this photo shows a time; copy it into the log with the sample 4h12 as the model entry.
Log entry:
2h58
